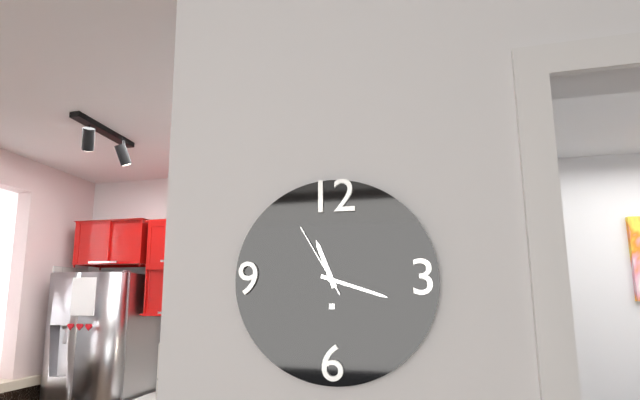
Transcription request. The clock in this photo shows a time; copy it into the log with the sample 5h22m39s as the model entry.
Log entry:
11h18m55s
